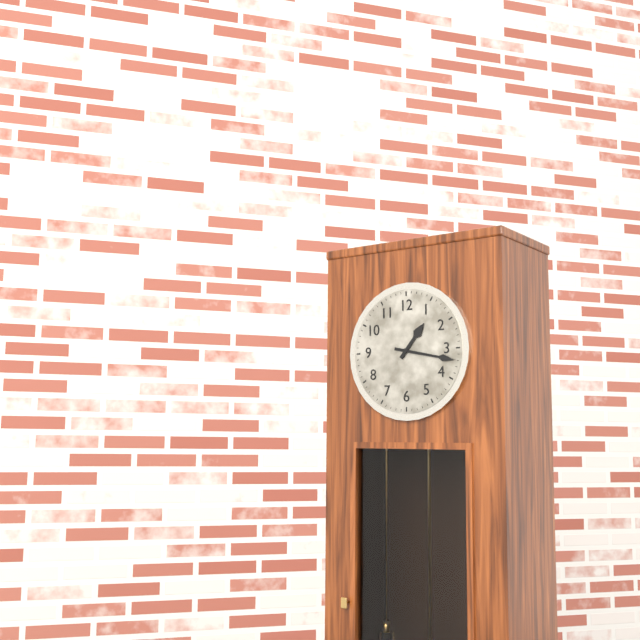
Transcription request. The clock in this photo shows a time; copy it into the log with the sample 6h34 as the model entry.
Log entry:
1h17
